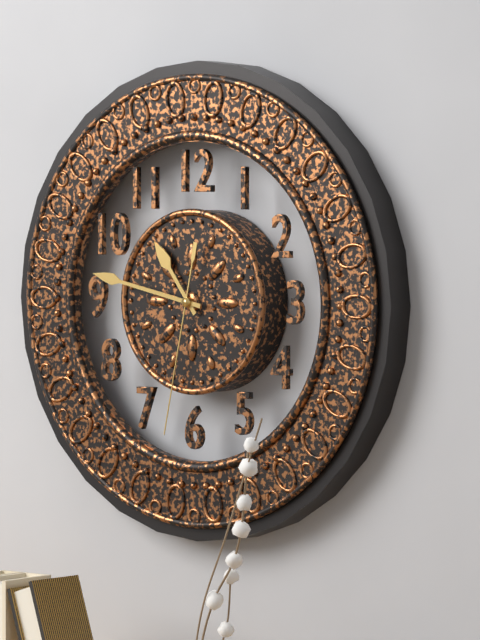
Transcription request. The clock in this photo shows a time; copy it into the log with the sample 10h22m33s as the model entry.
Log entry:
10h47m32s
